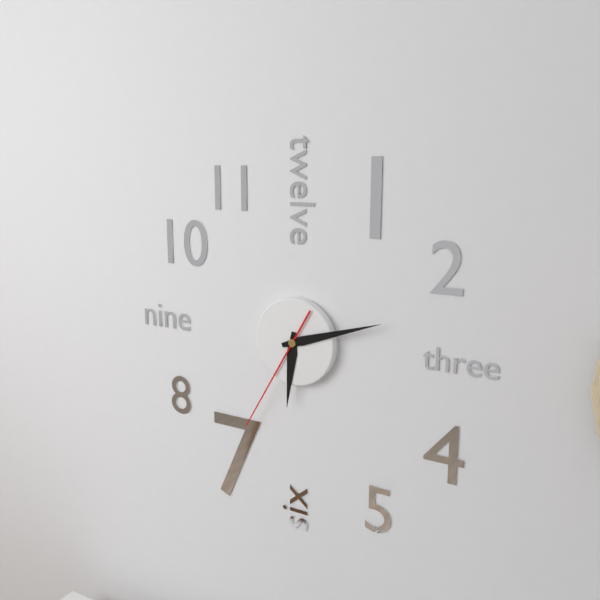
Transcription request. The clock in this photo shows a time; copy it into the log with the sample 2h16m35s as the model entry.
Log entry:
6h12m35s
